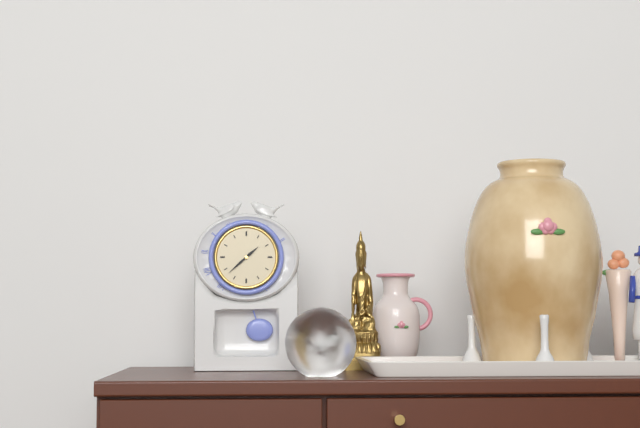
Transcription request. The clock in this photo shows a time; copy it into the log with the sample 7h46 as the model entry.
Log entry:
1h38
